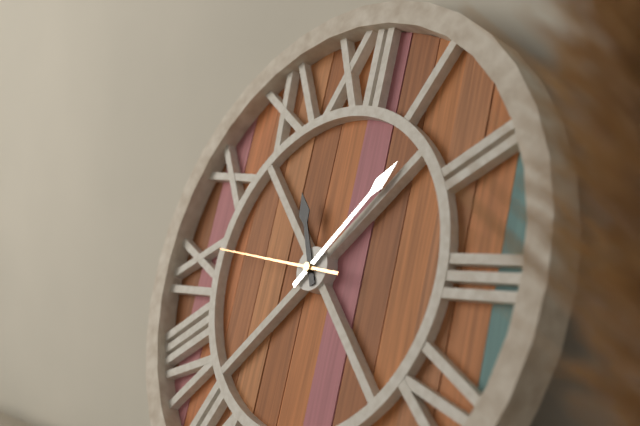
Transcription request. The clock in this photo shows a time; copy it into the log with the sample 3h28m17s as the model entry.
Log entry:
11h07m46s
